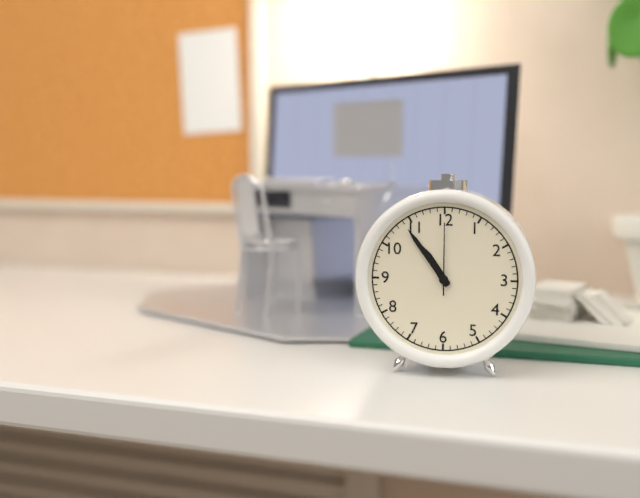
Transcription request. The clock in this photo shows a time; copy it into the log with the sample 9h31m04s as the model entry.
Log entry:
10h54m00s
